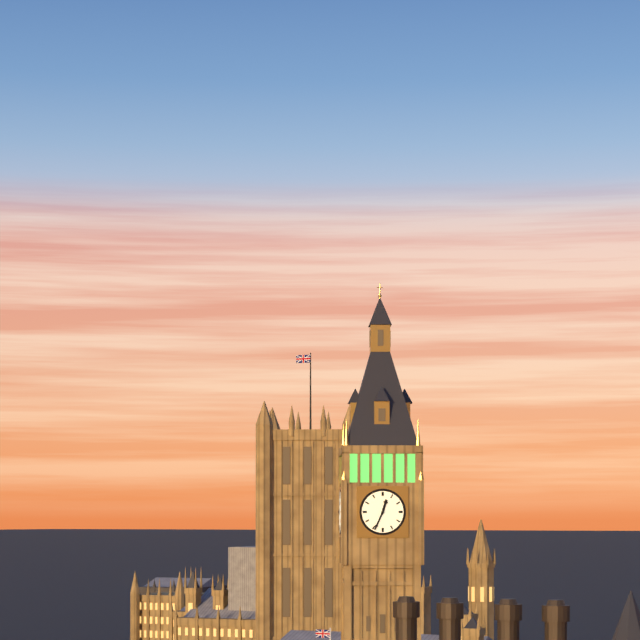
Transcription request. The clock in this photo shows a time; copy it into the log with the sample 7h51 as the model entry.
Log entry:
12h34
